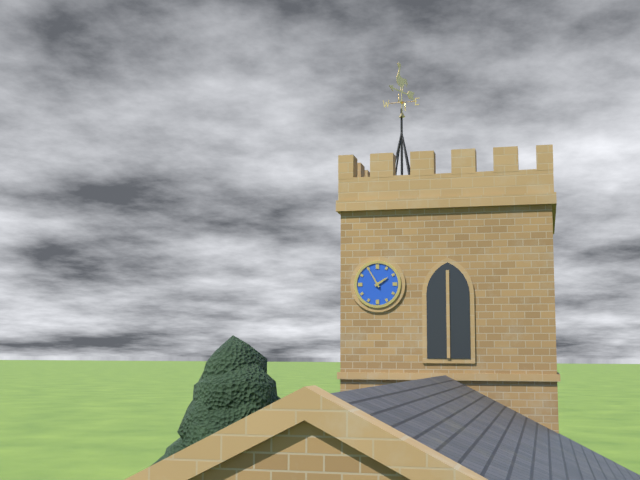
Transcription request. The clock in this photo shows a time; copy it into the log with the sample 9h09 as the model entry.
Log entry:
1h55
